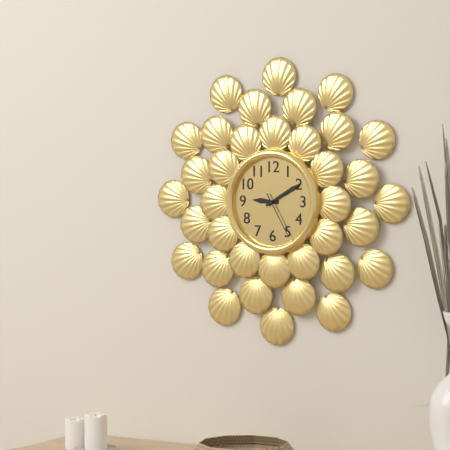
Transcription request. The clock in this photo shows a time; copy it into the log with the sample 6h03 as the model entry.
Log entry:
9h10
